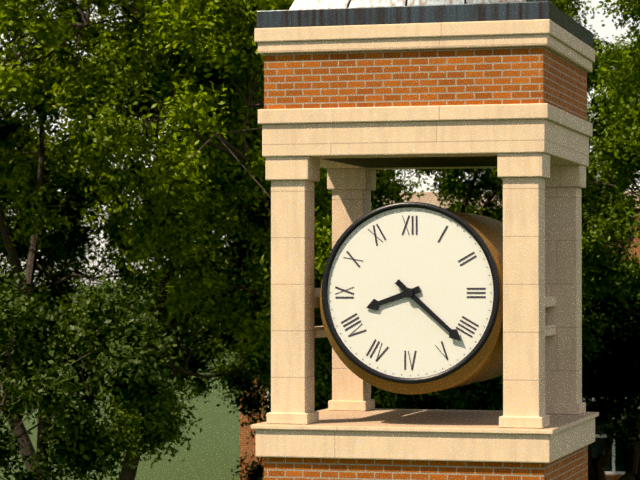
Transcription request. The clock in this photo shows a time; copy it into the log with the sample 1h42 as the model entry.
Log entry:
8h22
